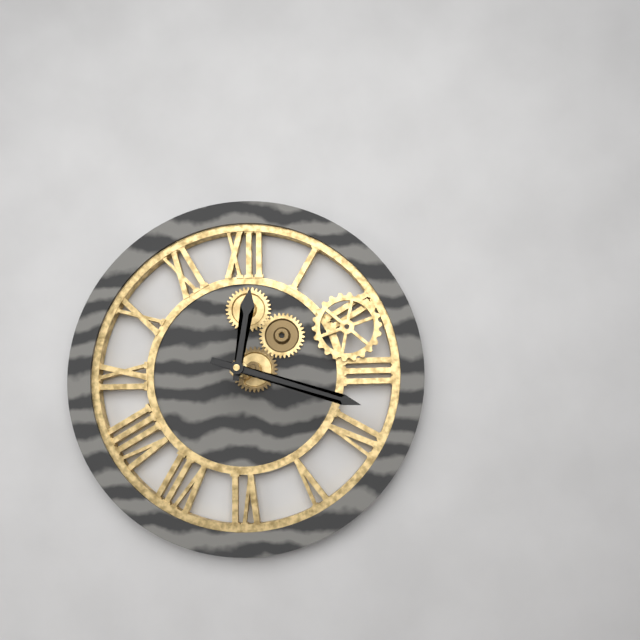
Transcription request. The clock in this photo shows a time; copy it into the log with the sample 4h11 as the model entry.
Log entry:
12h18
